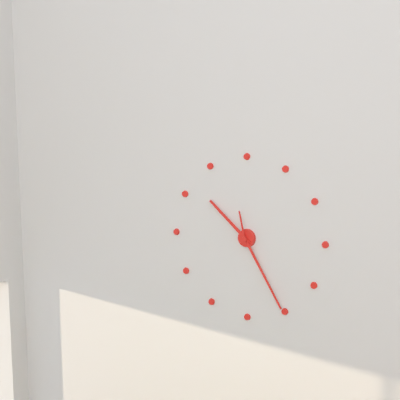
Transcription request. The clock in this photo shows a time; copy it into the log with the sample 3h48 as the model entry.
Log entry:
10h25
